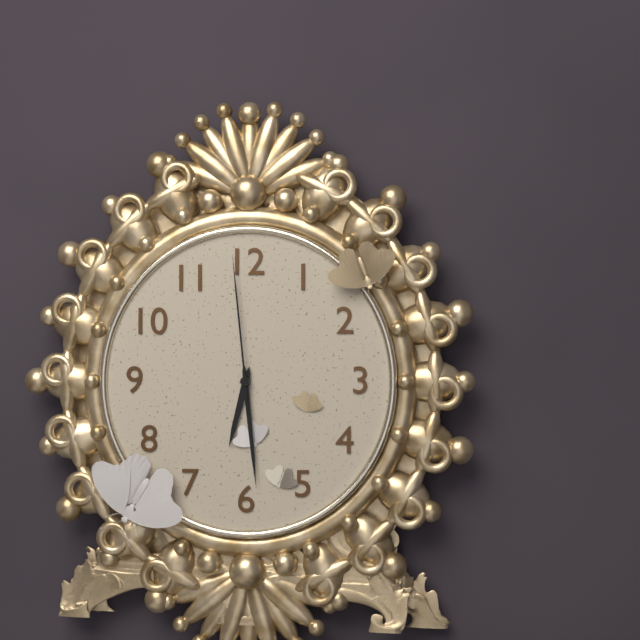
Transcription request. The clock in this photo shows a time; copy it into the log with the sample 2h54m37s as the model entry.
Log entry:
6h29m59s
